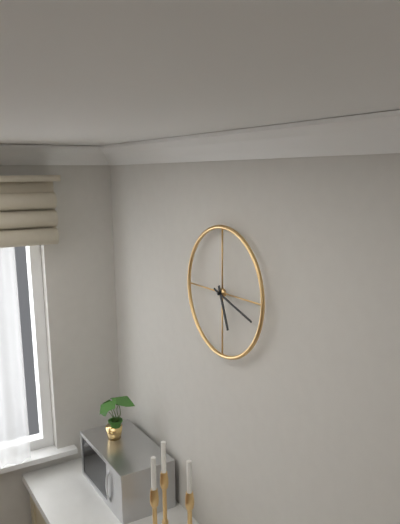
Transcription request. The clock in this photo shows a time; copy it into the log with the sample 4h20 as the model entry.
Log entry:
5h18
